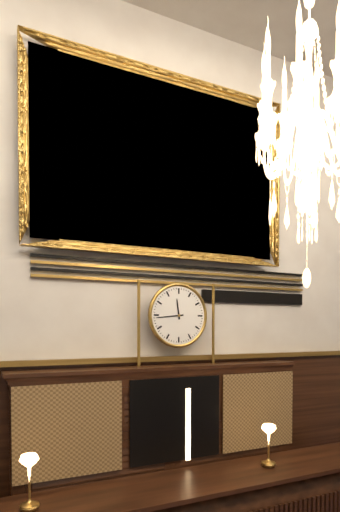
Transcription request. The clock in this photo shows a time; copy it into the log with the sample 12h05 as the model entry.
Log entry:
11h44
